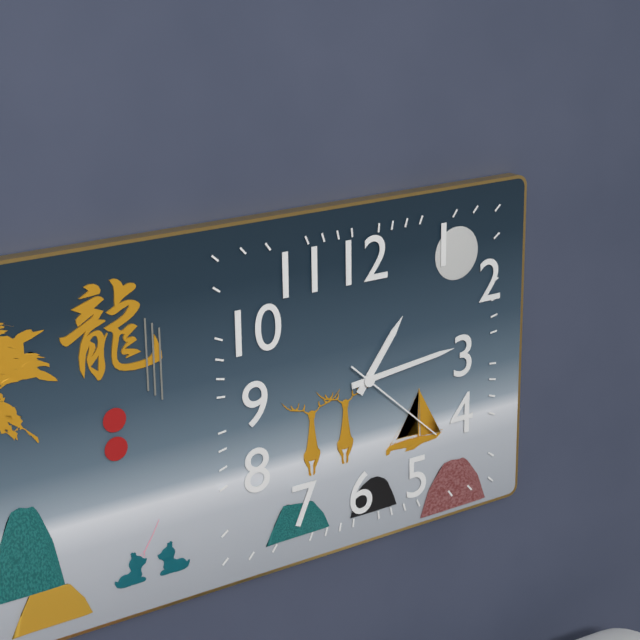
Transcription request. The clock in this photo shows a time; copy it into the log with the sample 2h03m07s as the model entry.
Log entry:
1h14m22s
